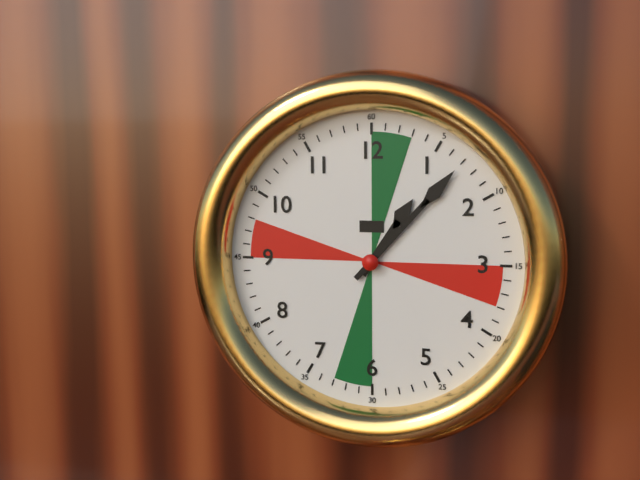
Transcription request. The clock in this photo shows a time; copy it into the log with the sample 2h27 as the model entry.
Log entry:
1h07
